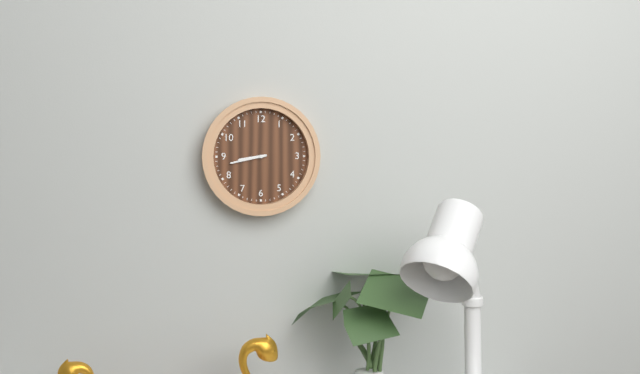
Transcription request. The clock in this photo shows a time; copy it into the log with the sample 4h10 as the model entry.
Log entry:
8h43
